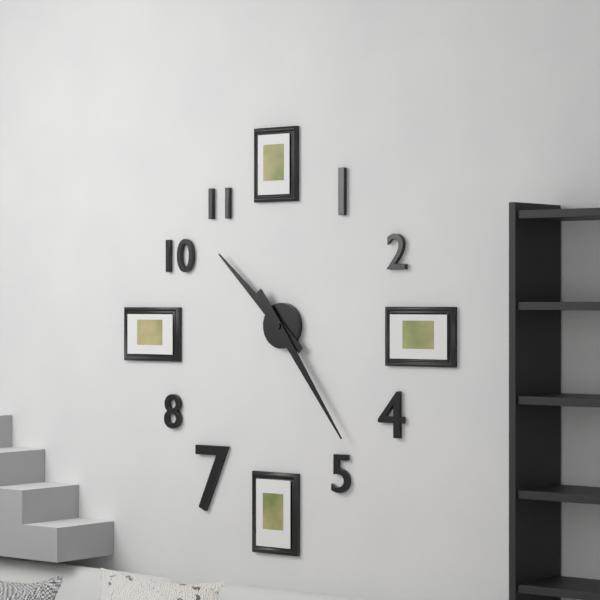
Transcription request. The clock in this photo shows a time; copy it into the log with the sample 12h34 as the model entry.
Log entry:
10h24
